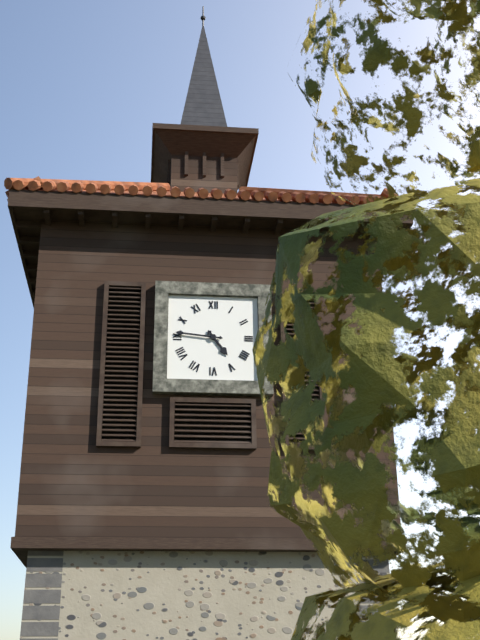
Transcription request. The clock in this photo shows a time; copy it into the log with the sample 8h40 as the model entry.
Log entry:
4h46
